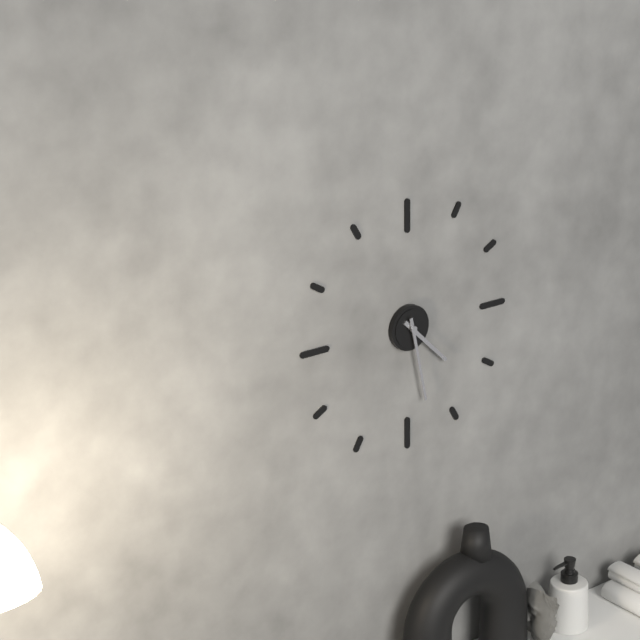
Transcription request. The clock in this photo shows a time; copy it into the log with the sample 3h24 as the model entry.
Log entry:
4h28
